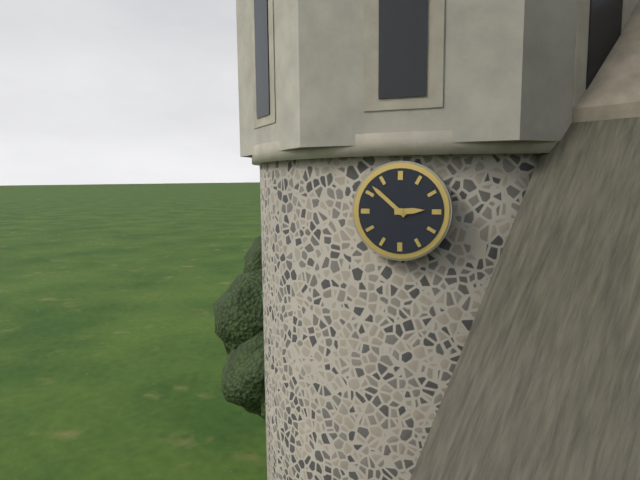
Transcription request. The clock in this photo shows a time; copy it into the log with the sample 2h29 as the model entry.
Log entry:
2h52
